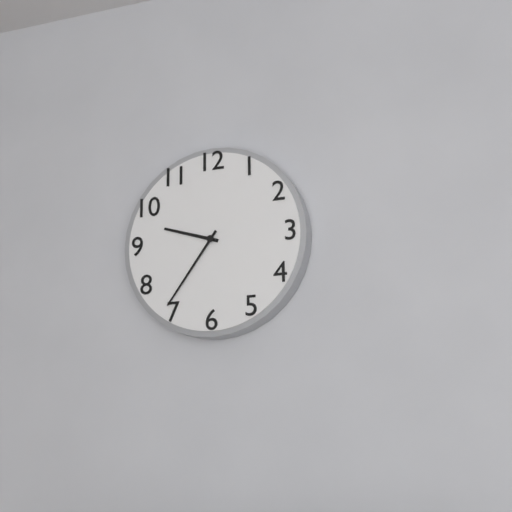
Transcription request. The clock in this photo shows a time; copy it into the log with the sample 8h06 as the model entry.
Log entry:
9h36
